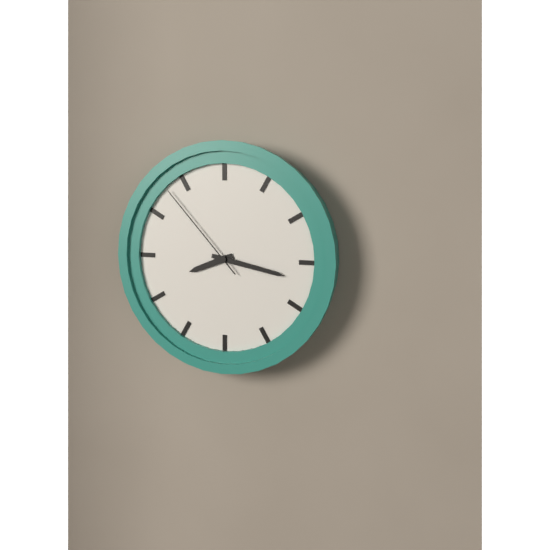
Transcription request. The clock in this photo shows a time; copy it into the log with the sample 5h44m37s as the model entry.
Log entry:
8h17m53s
